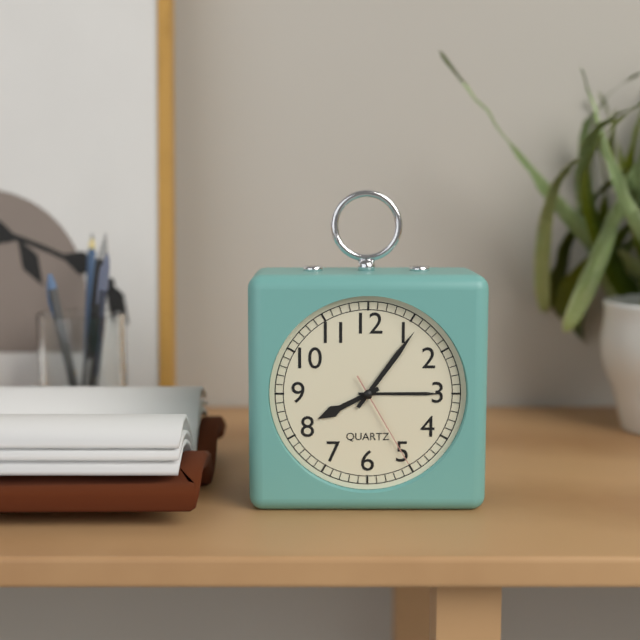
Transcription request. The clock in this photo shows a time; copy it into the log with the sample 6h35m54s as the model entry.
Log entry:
8h06m25s
